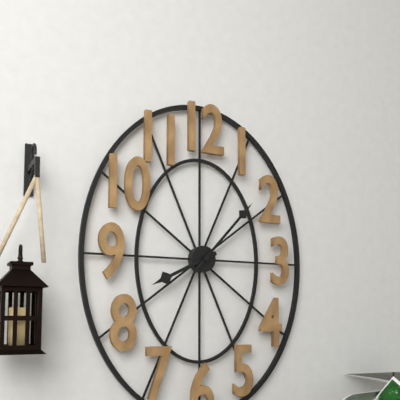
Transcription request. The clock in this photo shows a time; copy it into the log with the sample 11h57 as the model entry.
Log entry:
8h07
